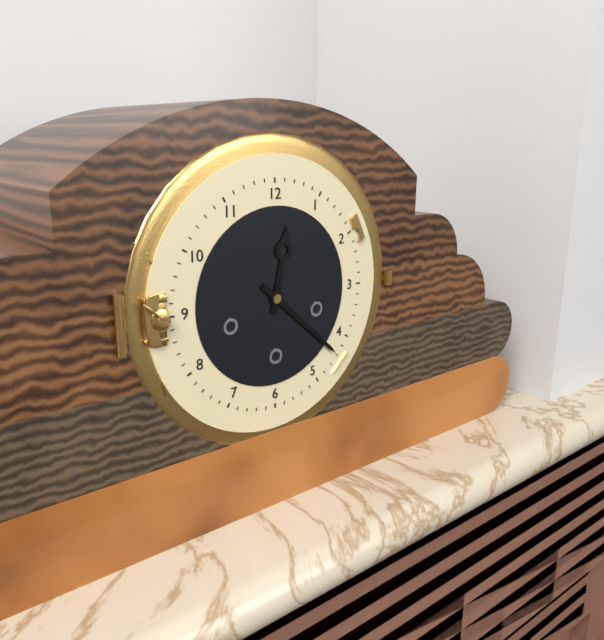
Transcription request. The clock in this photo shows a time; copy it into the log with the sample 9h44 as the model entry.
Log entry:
12h22
